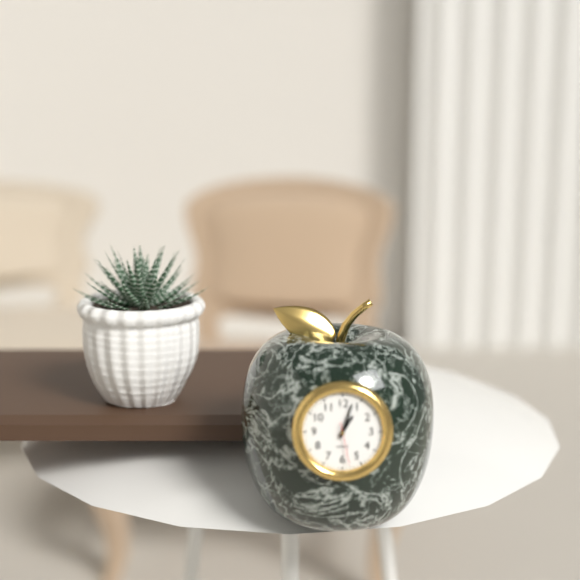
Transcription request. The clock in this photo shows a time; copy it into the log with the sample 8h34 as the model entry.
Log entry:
1h03
